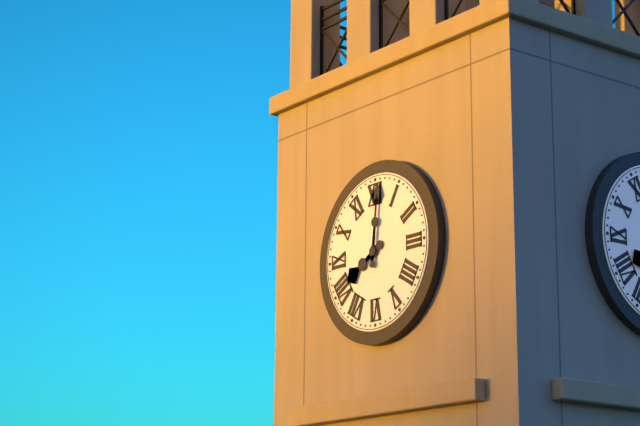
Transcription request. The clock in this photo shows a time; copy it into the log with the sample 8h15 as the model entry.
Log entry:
8h01
